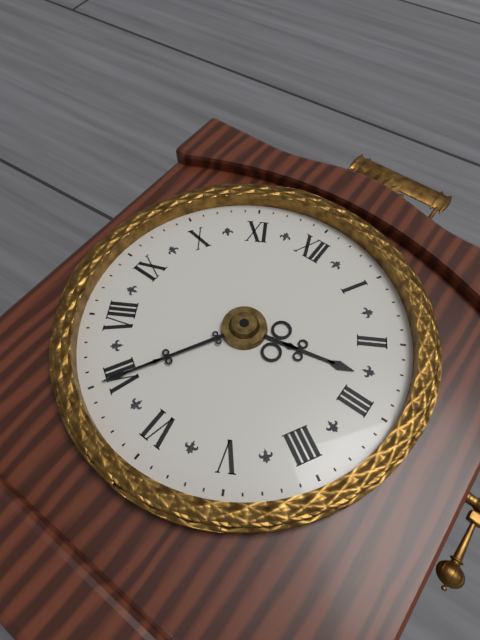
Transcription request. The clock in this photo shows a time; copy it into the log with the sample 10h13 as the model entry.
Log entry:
2h35
